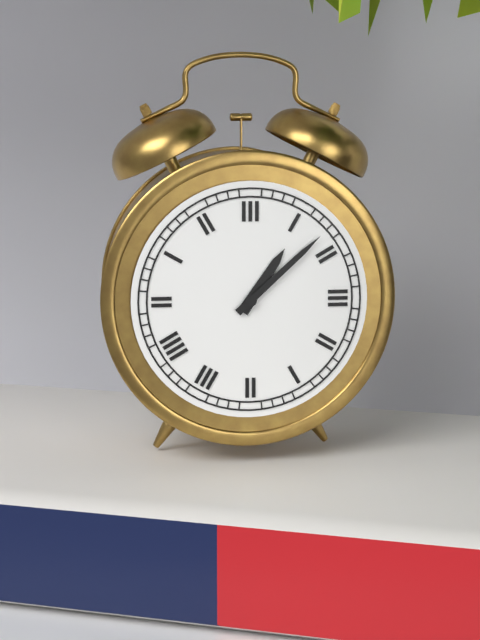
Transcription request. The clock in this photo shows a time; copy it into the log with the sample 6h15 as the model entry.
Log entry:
1h08
